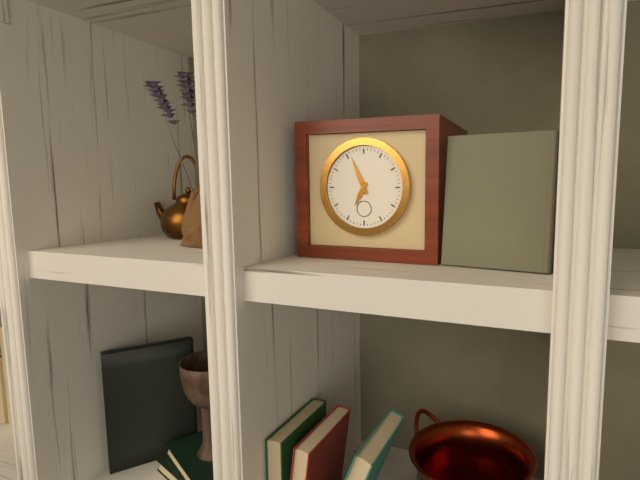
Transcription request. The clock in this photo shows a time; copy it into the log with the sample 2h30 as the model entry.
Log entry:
6h56
